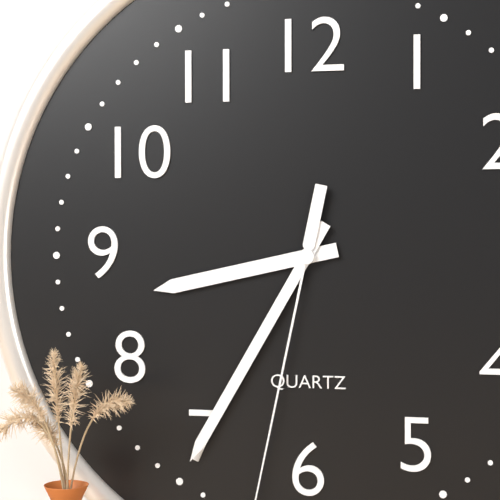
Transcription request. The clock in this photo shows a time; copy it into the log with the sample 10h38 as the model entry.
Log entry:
8h35
